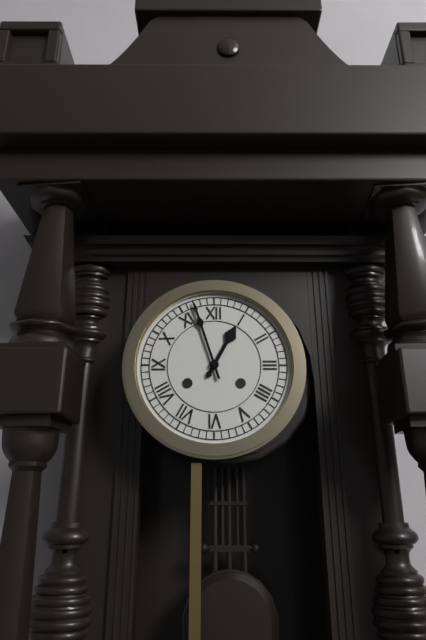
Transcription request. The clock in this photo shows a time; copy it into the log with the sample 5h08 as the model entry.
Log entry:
12h57
